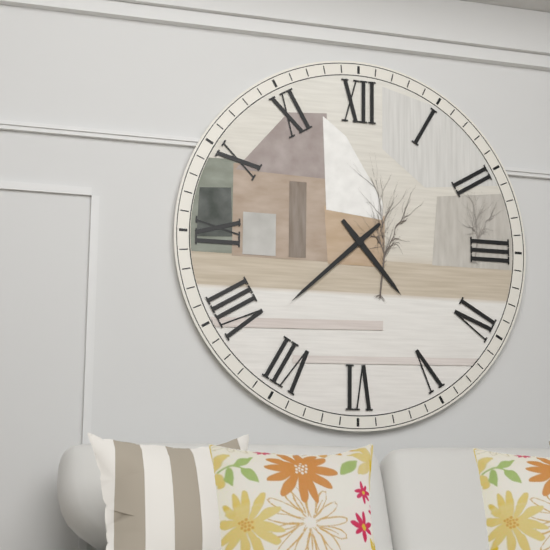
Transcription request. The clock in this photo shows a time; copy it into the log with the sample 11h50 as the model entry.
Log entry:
4h38
